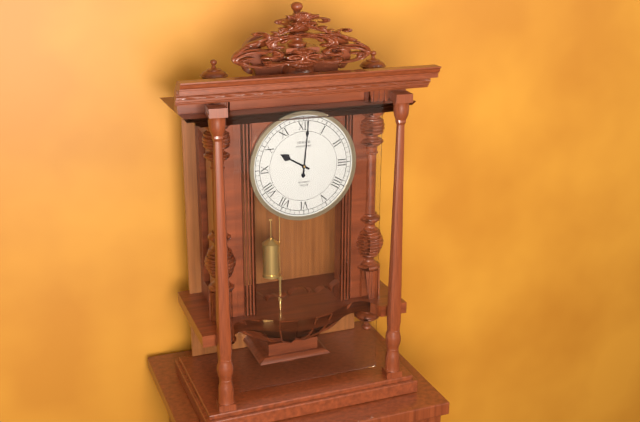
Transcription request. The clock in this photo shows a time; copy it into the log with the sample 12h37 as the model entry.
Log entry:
10h01
